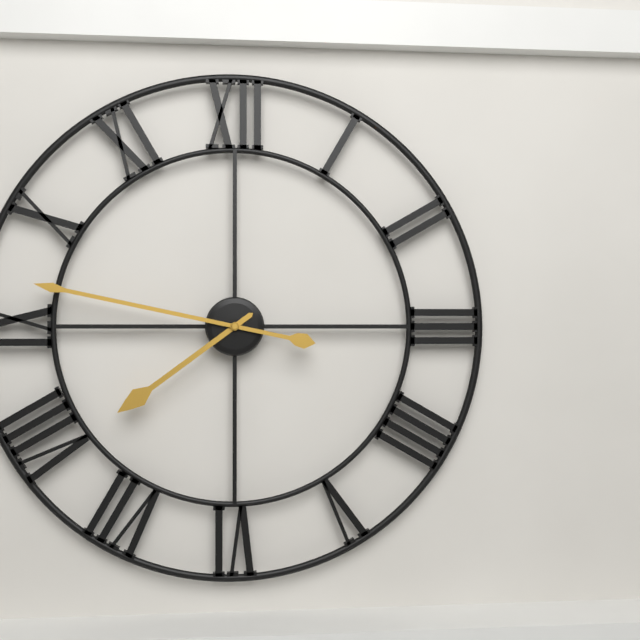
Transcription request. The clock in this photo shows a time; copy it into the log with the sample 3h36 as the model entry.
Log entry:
7h47
